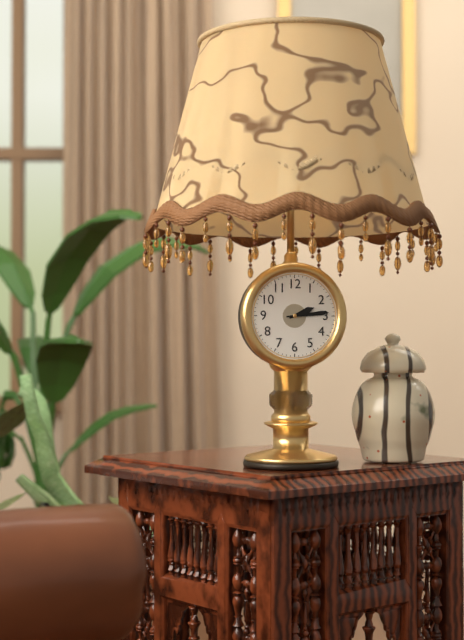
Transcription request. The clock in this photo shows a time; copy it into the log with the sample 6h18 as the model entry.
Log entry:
2h14
